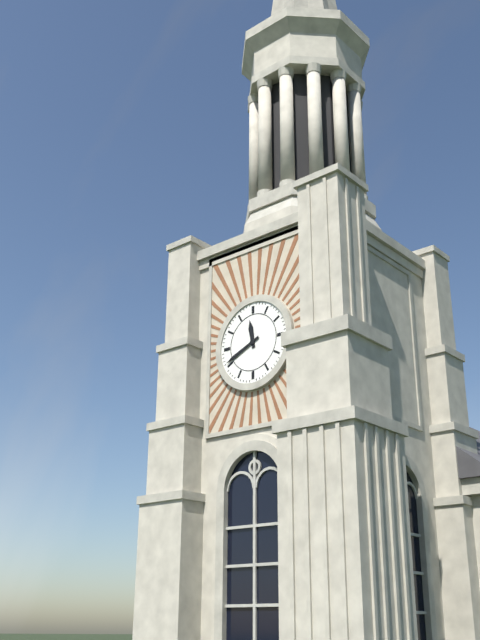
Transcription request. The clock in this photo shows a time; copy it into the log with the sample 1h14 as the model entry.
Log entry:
11h41
